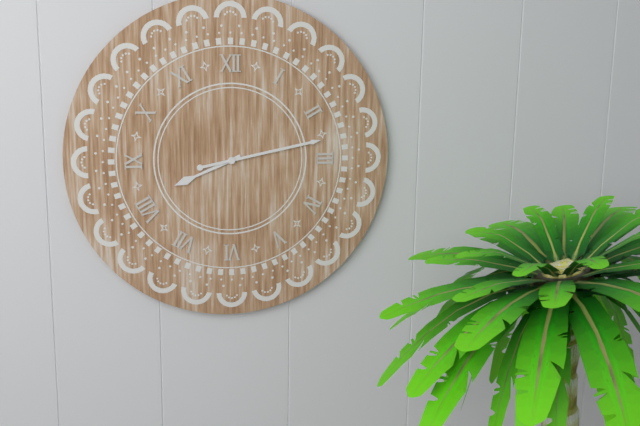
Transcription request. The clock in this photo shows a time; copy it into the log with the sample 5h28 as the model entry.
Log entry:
8h13
